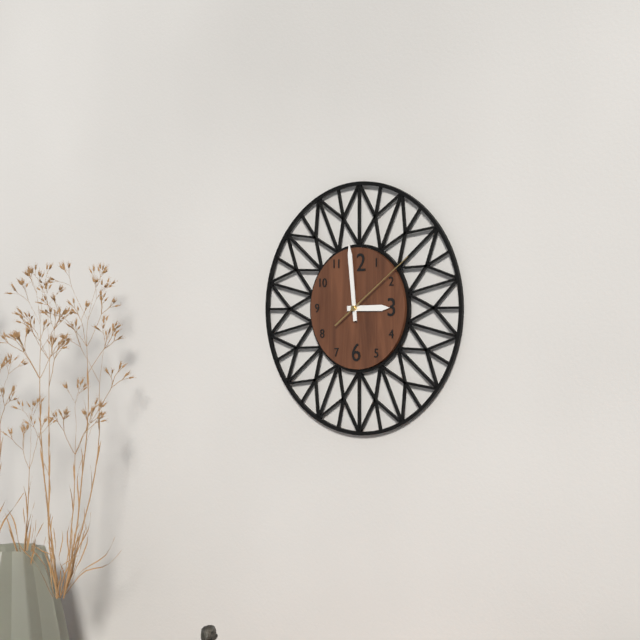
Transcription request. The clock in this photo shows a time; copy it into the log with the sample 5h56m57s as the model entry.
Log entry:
2h59m09s
